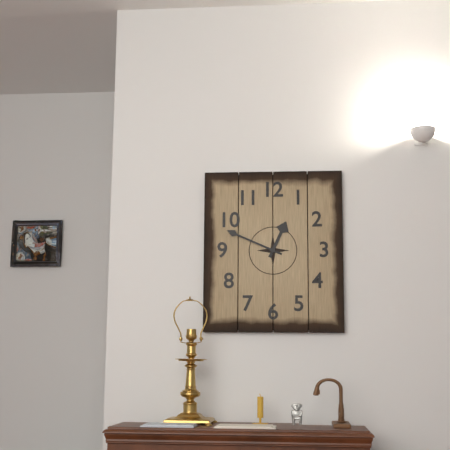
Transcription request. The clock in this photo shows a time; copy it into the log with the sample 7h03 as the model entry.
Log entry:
12h49
